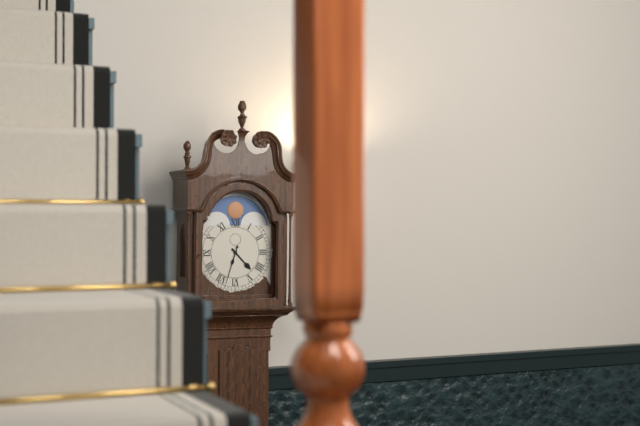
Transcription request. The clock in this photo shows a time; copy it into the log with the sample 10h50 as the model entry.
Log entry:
4h33
